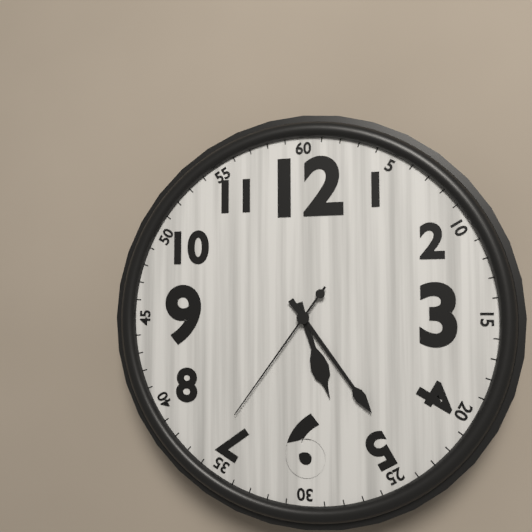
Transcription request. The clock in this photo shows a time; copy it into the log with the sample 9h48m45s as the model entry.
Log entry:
5h24m36s
